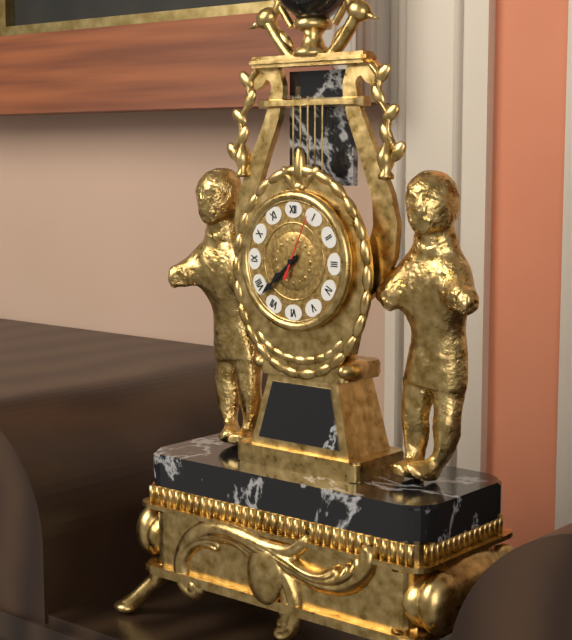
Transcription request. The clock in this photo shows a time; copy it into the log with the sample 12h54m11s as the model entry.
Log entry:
7h38m04s
